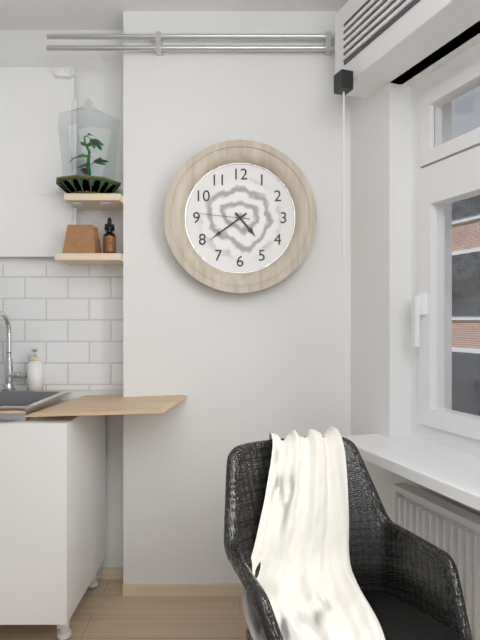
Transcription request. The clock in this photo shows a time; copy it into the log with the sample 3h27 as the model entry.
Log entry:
4h39
